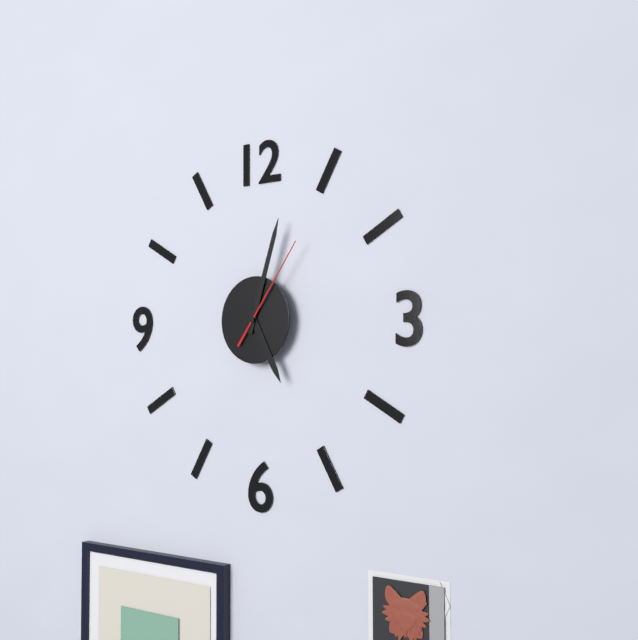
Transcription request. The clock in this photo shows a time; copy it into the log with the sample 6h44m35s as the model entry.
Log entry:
5h03m06s
